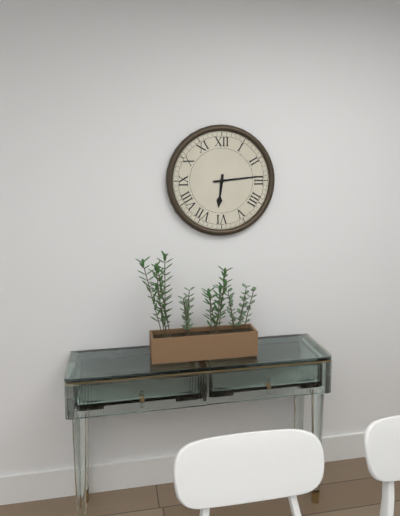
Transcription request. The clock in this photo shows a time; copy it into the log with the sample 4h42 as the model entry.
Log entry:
6h14
